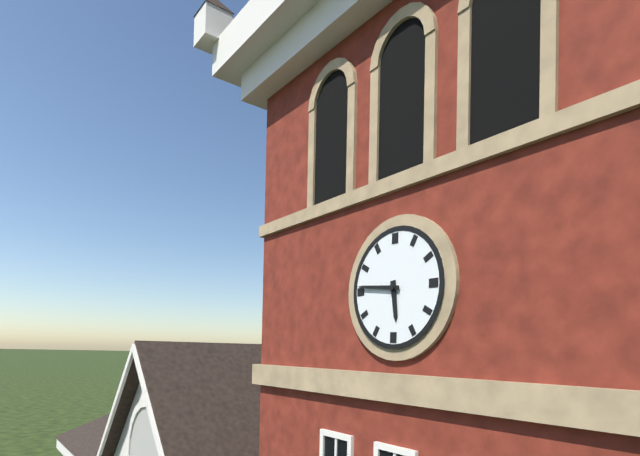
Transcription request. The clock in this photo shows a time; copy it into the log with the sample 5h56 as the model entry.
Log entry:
5h46
